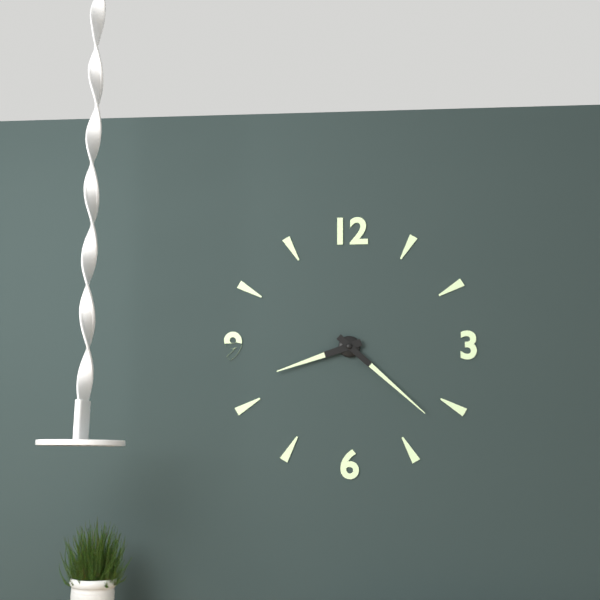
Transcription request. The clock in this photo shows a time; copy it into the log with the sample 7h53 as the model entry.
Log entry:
8h22
